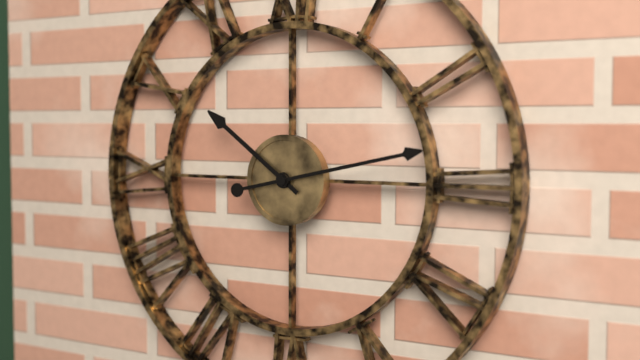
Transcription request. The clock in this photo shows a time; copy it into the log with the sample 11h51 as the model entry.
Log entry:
10h13
